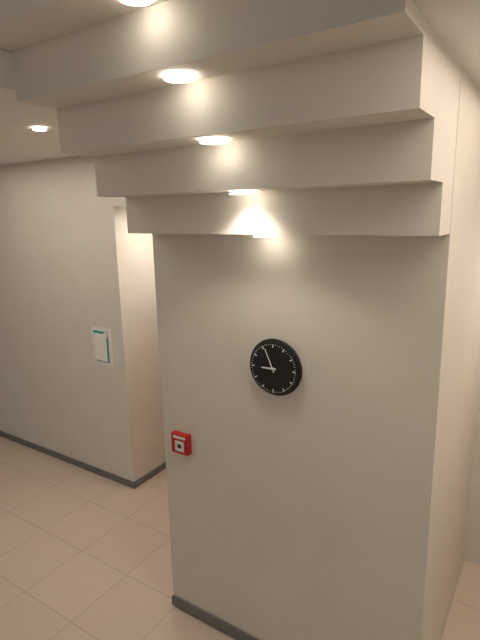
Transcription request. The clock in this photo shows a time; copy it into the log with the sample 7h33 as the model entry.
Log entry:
8h56
